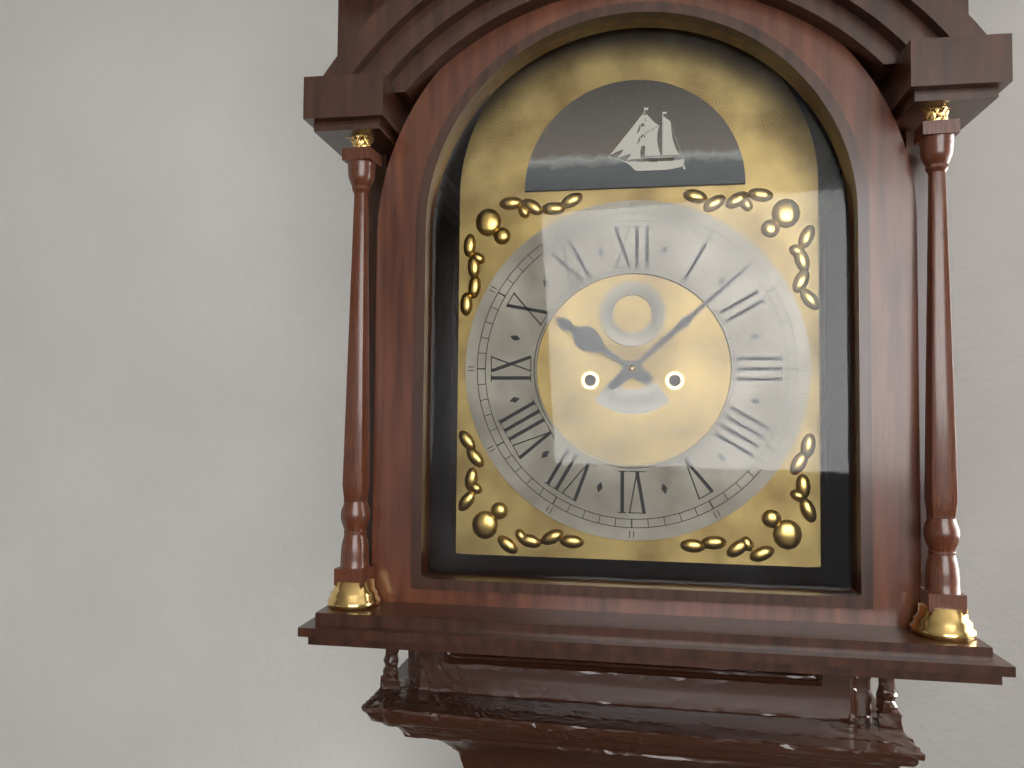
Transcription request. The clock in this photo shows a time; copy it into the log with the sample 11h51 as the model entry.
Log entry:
10h08
